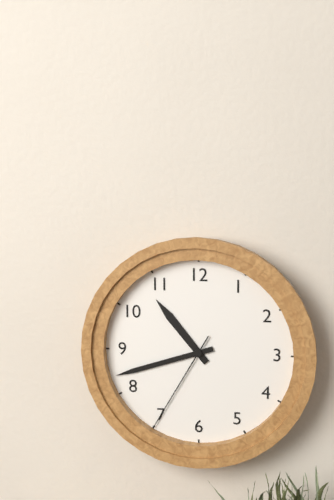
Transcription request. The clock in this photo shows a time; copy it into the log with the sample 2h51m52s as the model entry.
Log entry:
10h42m35s
